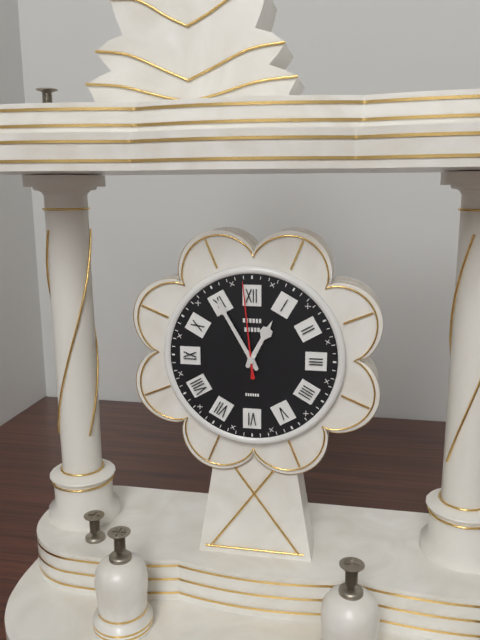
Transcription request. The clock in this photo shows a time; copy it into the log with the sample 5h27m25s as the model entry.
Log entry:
12h55m59s
